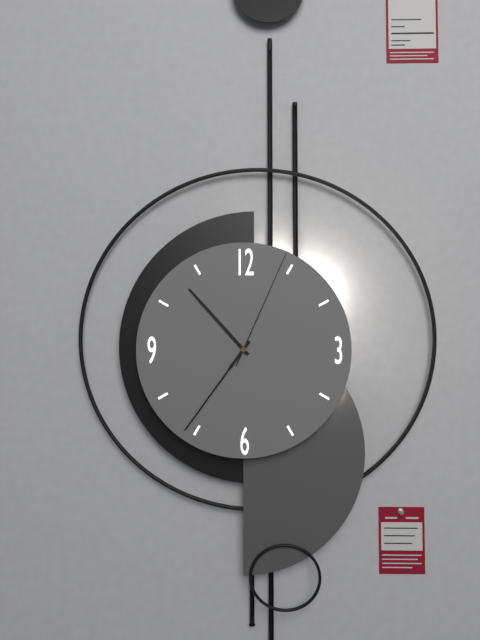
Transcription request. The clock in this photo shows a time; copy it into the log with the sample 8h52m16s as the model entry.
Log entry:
10h36m04s
